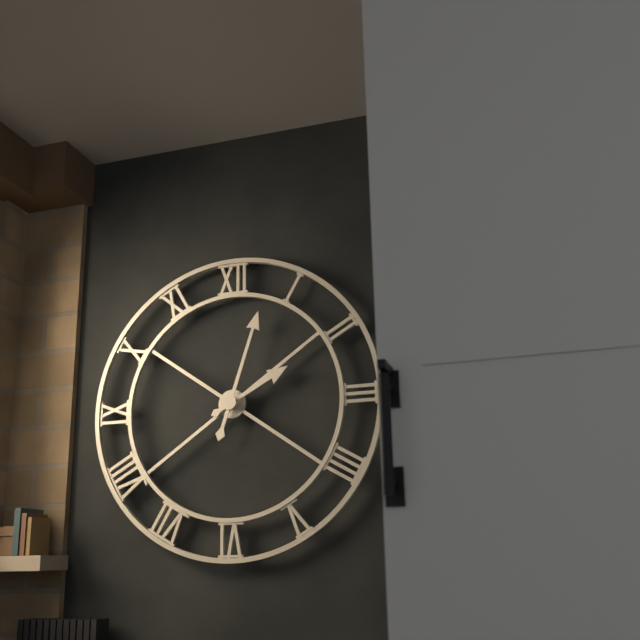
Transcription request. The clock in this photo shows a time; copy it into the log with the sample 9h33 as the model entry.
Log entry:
2h03
